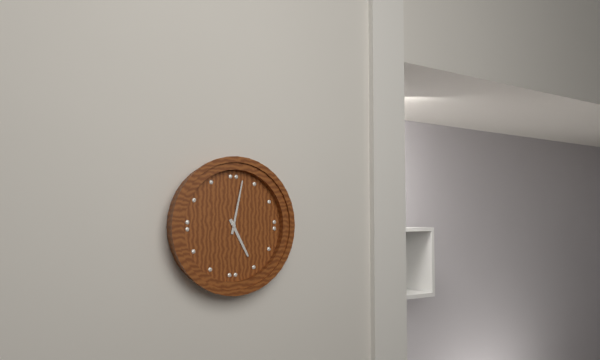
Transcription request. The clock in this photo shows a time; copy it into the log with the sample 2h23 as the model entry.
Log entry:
5h02
